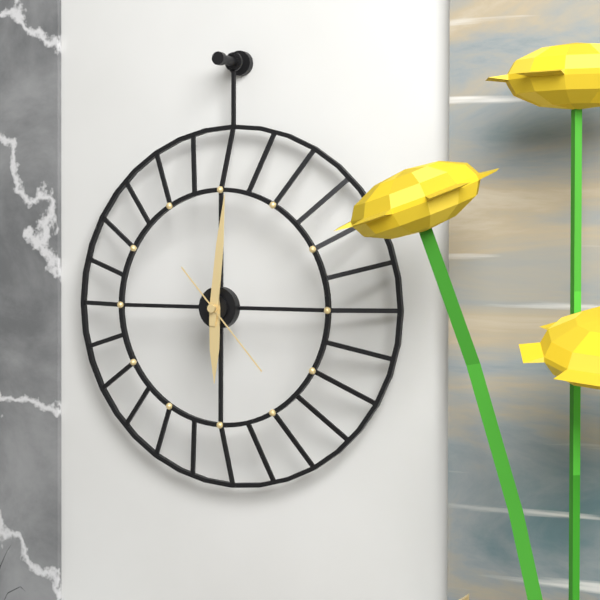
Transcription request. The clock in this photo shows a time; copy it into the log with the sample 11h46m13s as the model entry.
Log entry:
6h01m23s
